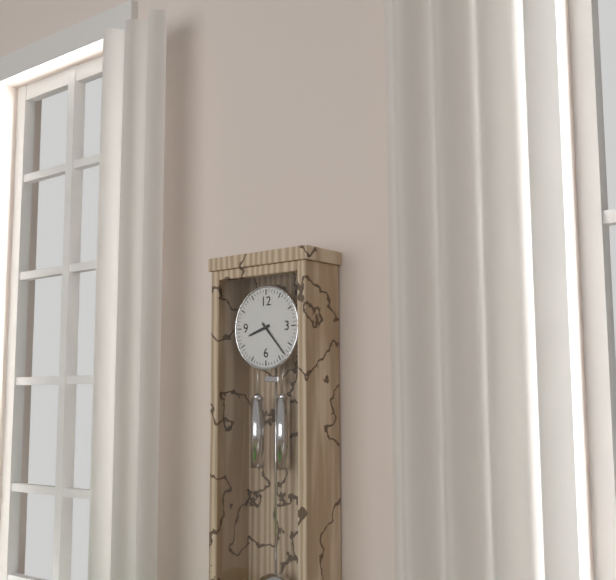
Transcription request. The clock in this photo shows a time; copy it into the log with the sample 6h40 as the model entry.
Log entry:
8h23
